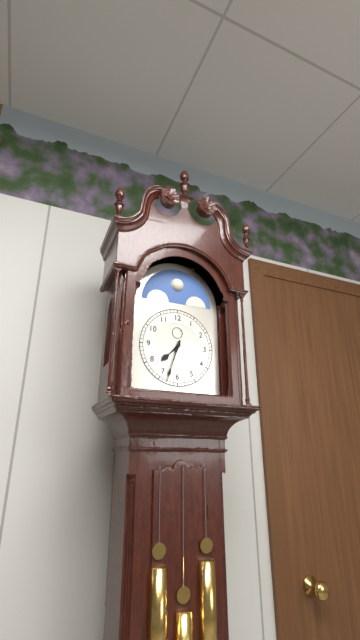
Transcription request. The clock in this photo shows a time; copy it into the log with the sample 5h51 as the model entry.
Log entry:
7h33
